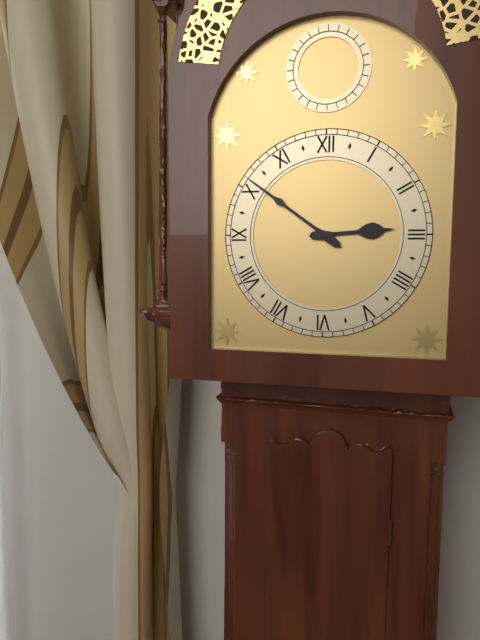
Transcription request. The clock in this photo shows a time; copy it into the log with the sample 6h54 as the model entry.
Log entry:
2h51
